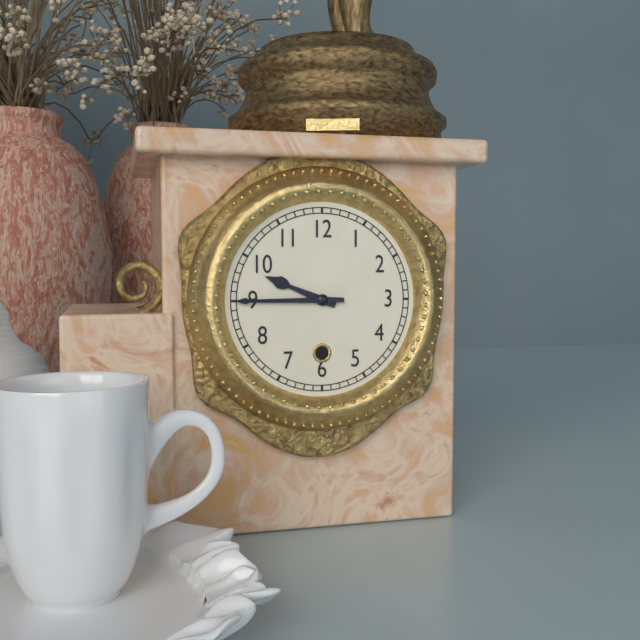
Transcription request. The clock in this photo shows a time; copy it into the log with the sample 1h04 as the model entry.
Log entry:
9h45
